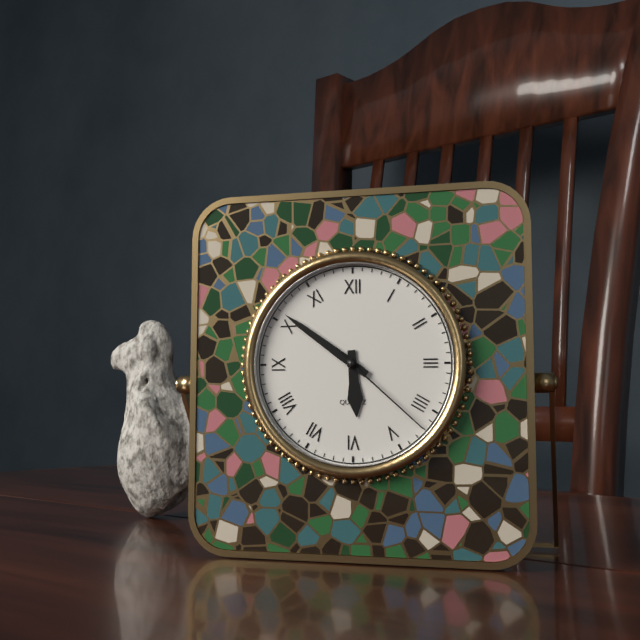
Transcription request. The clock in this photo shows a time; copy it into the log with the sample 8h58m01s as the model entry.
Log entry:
5h51m22s
